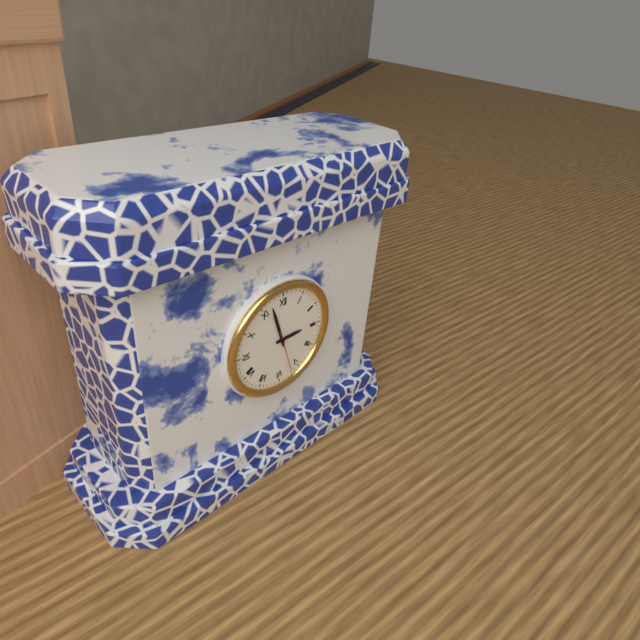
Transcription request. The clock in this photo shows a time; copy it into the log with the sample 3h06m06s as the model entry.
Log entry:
2h57m27s
